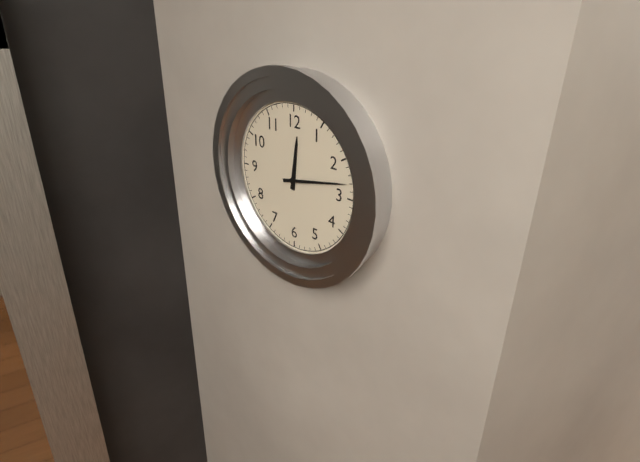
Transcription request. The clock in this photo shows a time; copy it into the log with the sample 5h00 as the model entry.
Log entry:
12h13
